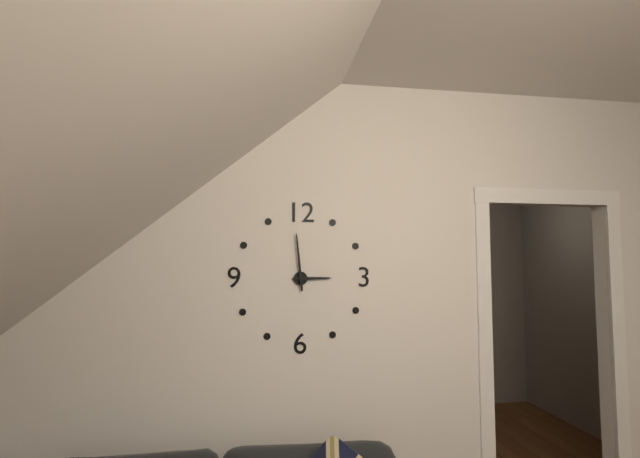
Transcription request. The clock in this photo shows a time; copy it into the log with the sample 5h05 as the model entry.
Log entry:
2h59
